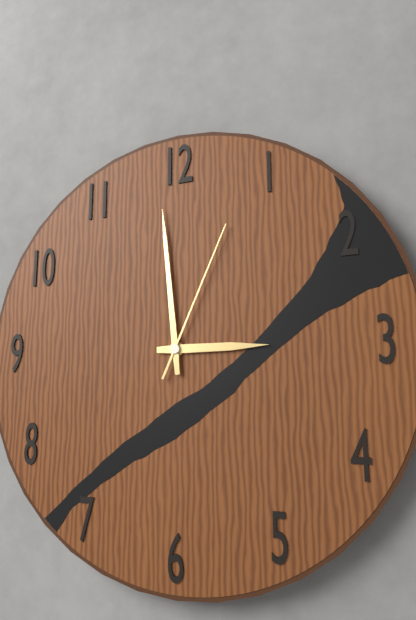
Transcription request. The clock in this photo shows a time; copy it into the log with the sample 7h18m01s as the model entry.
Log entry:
2h59m04s
